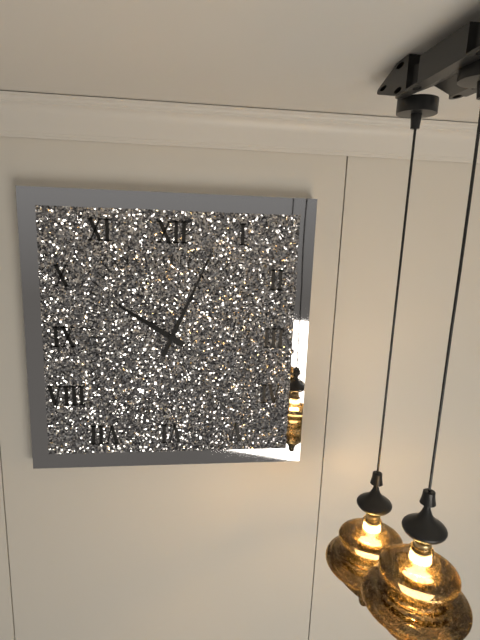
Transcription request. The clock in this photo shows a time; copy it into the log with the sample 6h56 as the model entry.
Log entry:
10h04
